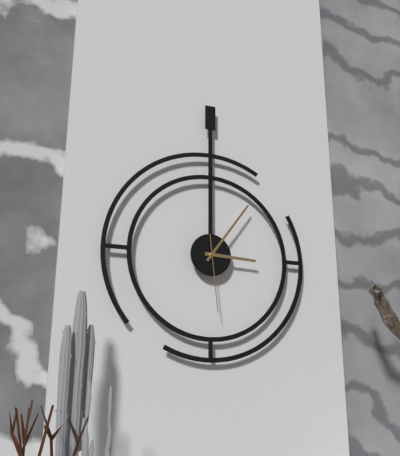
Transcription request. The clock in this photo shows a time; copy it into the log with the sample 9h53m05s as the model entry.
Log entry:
3h06m29s
